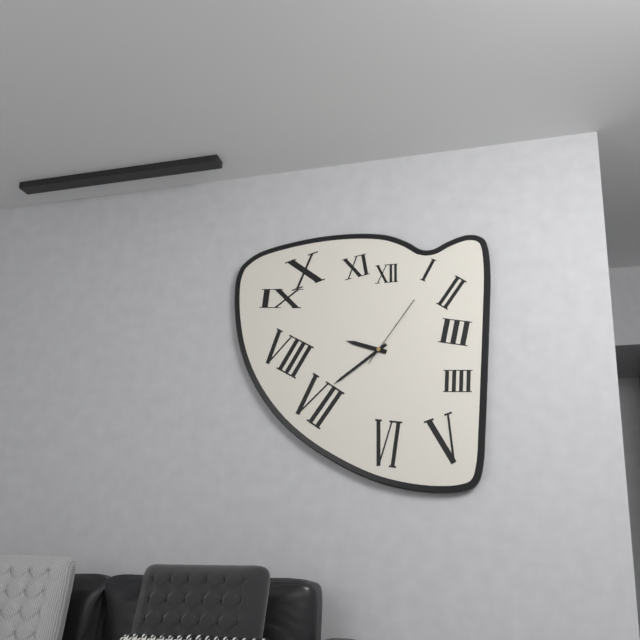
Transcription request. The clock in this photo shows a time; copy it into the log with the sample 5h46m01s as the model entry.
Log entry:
9h39m06s
